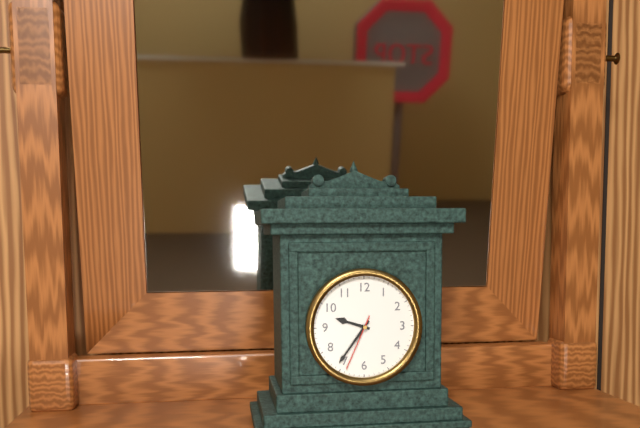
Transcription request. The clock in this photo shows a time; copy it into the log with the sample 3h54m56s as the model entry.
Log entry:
9h36m34s
